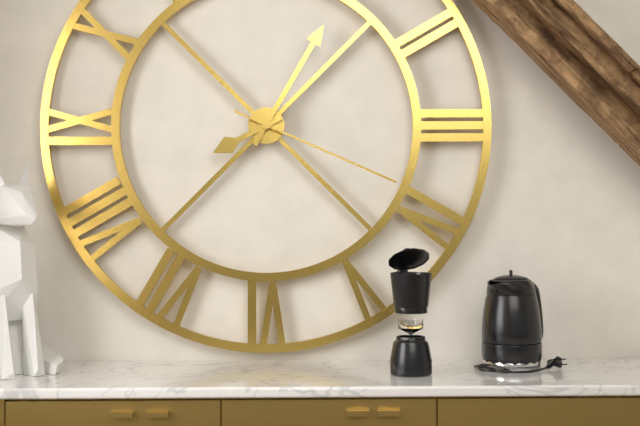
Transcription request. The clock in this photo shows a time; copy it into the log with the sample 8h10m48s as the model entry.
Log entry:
8h05m19s
